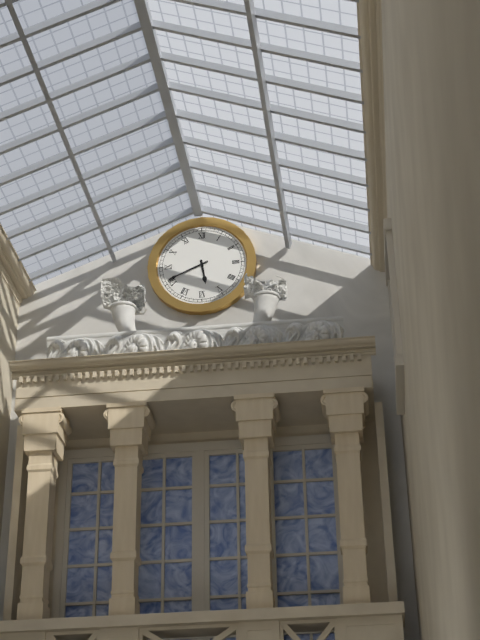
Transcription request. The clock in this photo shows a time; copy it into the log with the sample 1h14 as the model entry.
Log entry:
5h41
